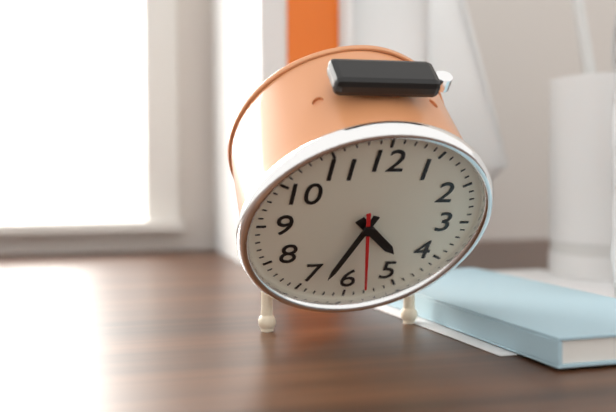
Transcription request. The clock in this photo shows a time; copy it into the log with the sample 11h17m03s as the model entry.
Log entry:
4h33m28s
